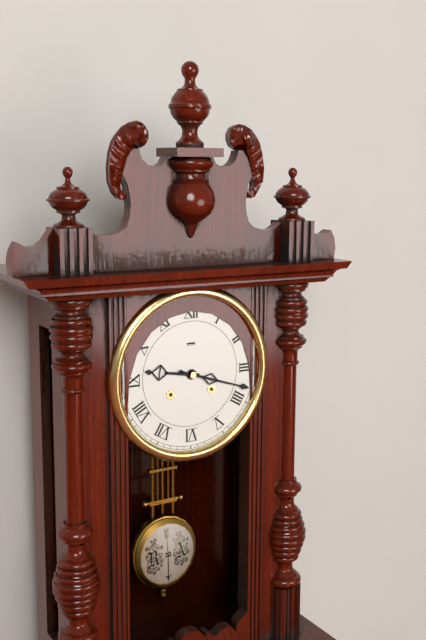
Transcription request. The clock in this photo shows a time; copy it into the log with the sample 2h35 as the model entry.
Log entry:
9h18
